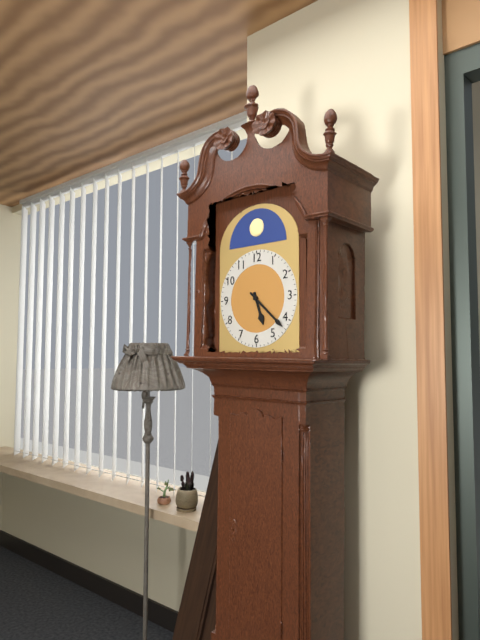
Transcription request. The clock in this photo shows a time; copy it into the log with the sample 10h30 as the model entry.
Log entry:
5h22
